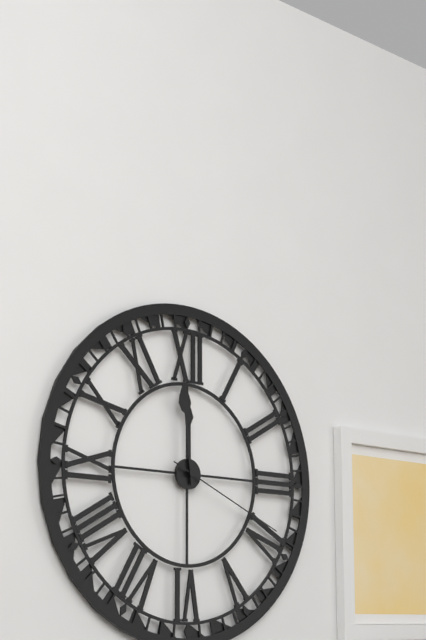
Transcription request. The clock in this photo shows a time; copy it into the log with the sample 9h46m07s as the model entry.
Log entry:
11h59m19s
